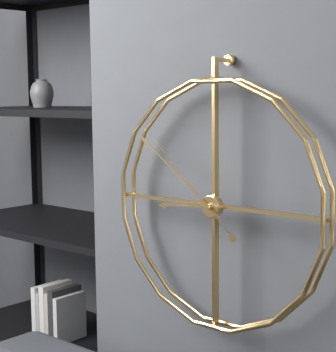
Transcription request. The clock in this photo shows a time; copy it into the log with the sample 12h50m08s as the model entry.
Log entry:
8h51m52s
